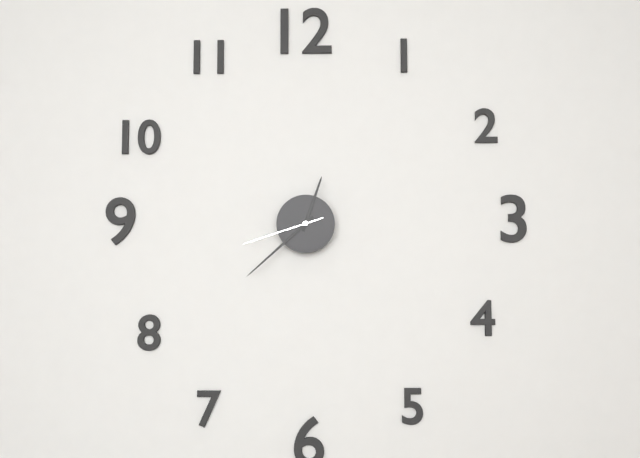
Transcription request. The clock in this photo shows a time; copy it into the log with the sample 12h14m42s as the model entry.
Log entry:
12h38m42s
